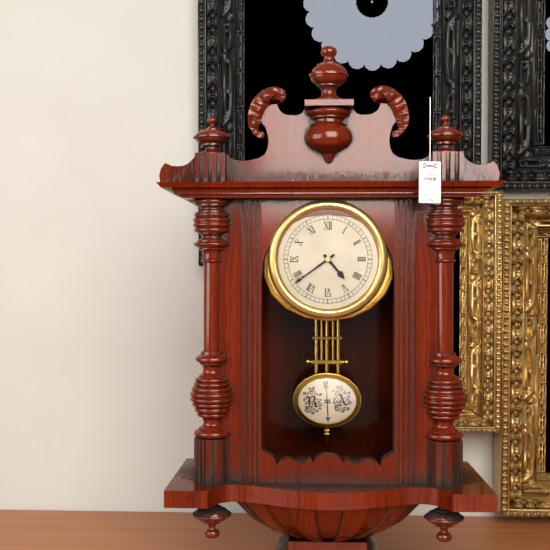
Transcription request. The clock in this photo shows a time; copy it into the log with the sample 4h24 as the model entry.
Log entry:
4h39
